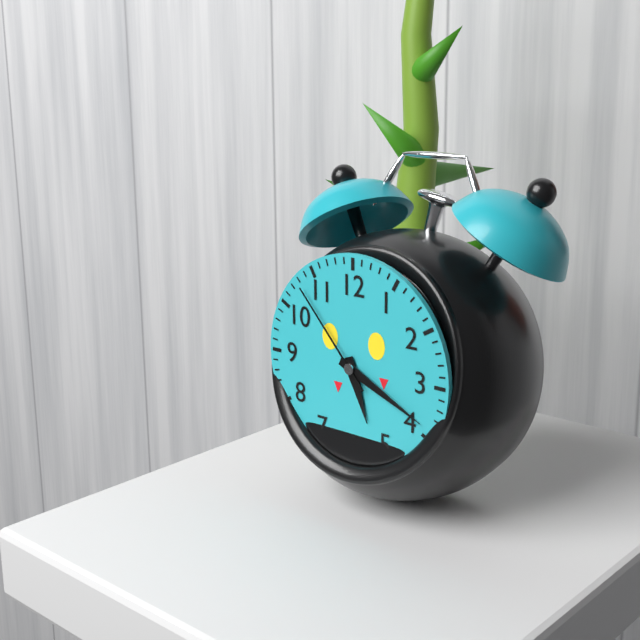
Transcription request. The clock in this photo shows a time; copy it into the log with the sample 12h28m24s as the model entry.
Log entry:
5h19m53s
